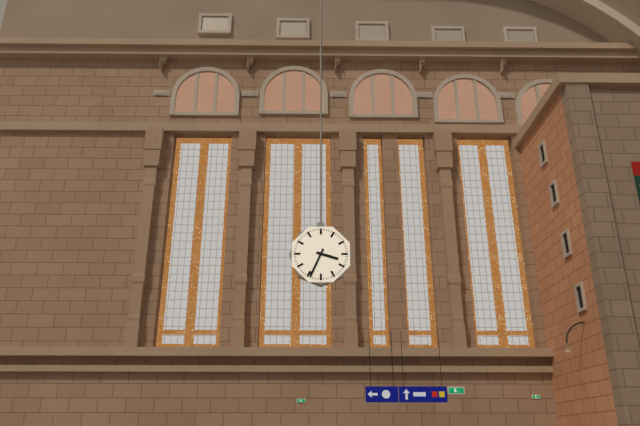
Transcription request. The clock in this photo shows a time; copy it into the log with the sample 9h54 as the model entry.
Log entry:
3h34
